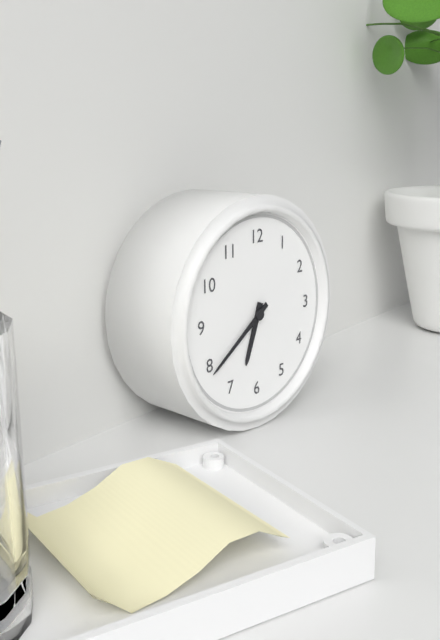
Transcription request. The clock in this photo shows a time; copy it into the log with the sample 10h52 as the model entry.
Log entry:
6h39
